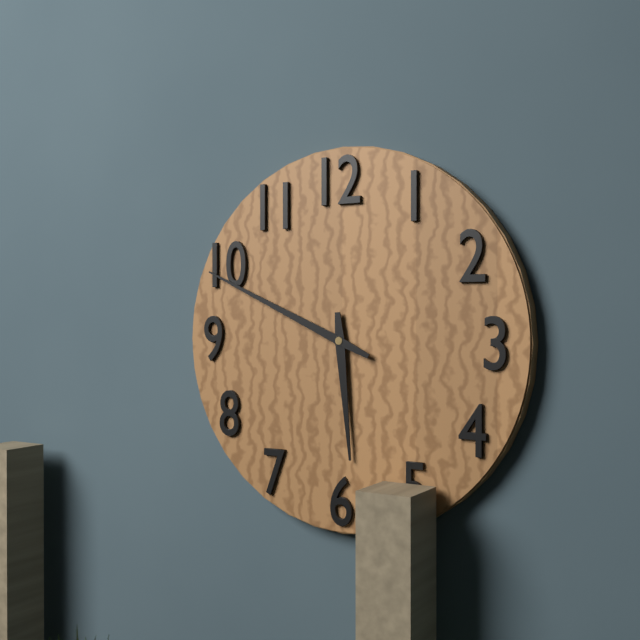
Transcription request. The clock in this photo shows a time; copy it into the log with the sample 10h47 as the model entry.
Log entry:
5h49
